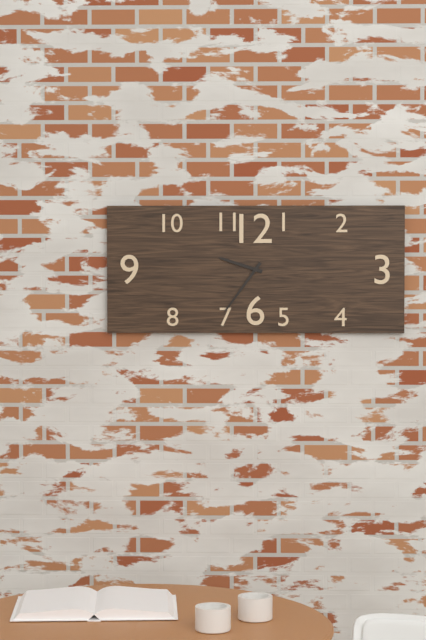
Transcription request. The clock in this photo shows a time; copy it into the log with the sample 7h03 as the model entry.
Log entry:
9h36
